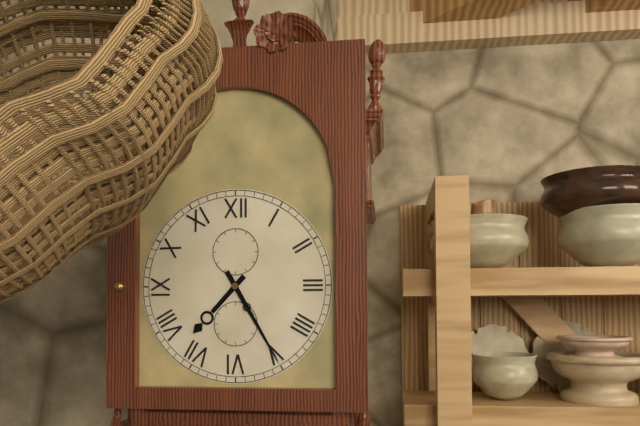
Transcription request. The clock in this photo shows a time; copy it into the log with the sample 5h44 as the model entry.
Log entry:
7h25
